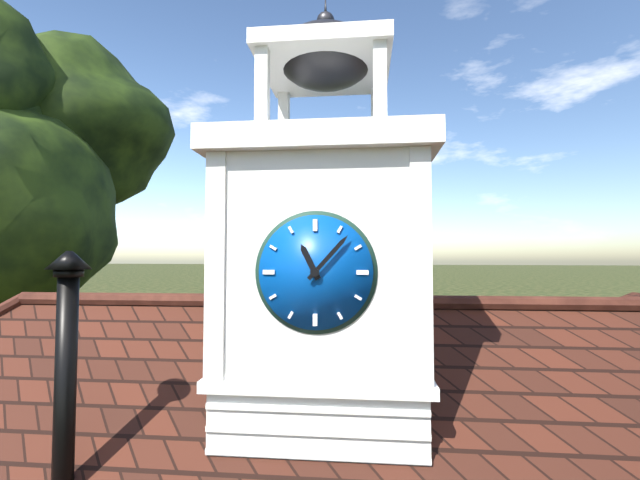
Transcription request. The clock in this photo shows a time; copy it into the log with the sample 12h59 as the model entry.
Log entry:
11h07
